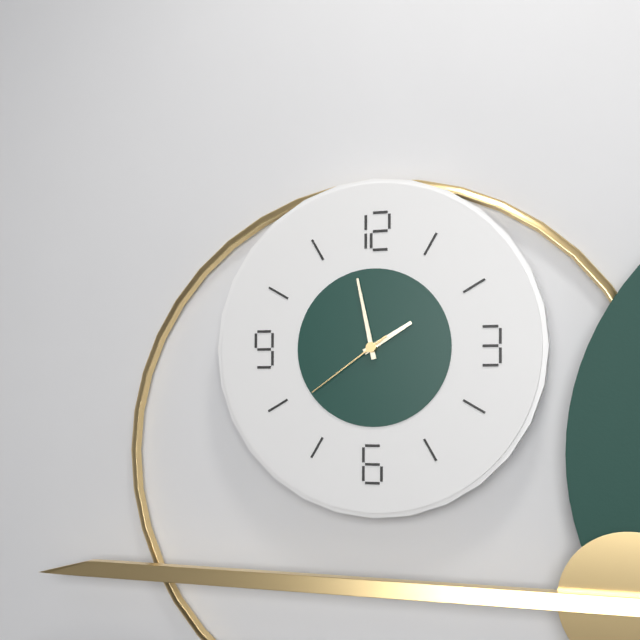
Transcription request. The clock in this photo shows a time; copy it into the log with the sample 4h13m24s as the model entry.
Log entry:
1h58m39s
